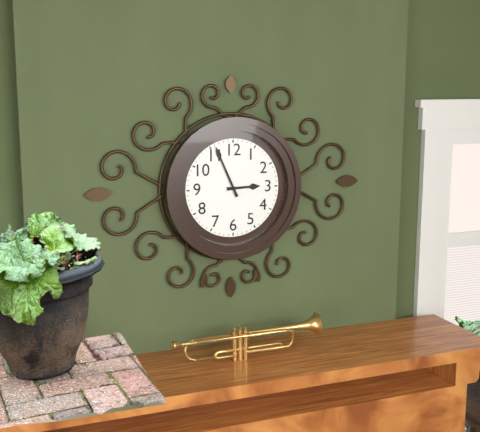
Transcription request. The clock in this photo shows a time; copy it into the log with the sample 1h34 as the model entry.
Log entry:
2h56
